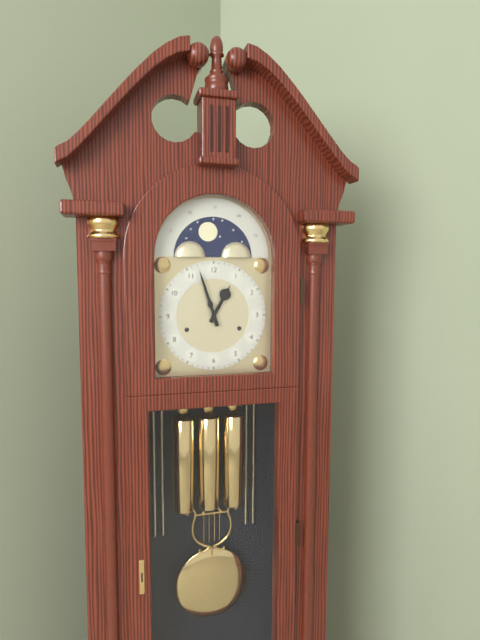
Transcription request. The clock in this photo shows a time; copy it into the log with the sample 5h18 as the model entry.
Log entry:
12h57
